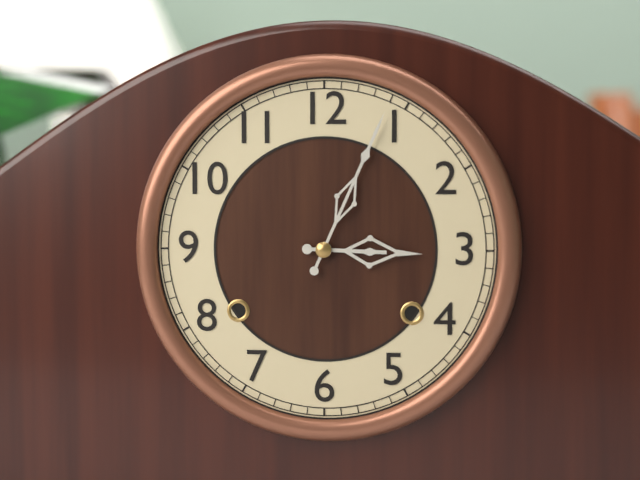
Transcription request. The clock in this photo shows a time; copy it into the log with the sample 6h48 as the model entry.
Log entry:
3h04
